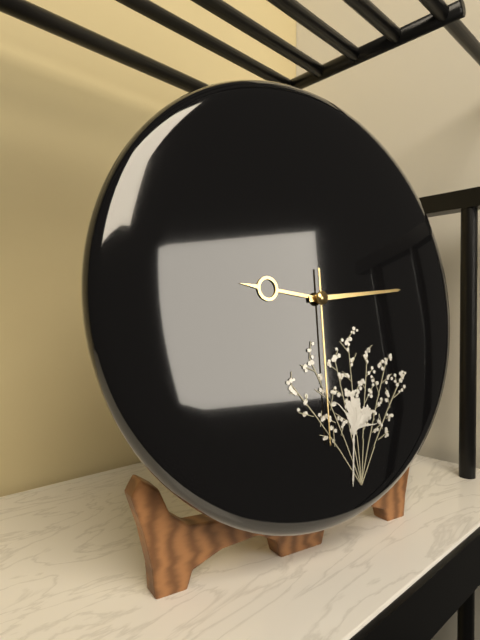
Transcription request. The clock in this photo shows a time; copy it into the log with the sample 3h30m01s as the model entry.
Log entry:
9h14m30s
